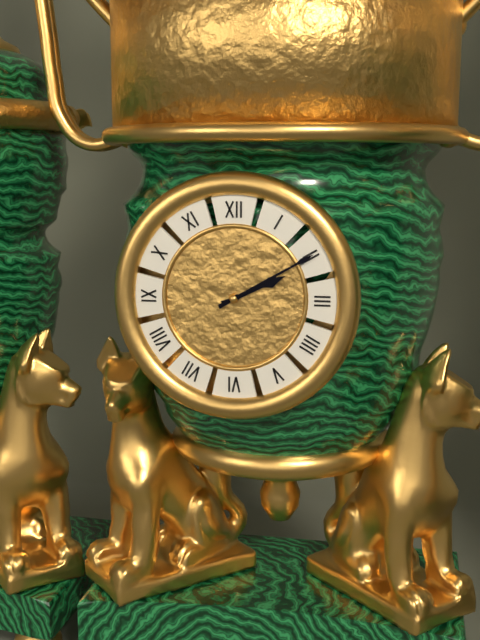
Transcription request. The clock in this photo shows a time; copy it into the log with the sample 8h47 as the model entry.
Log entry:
2h10
